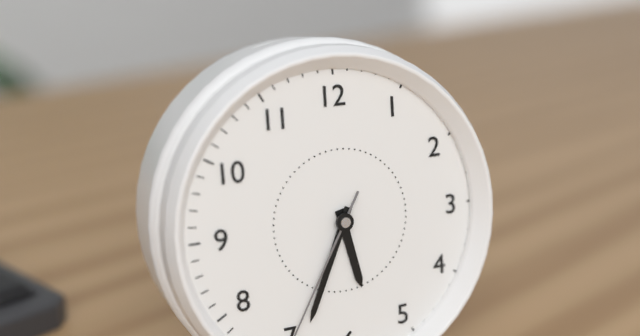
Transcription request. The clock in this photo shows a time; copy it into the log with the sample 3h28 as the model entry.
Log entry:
5h34
